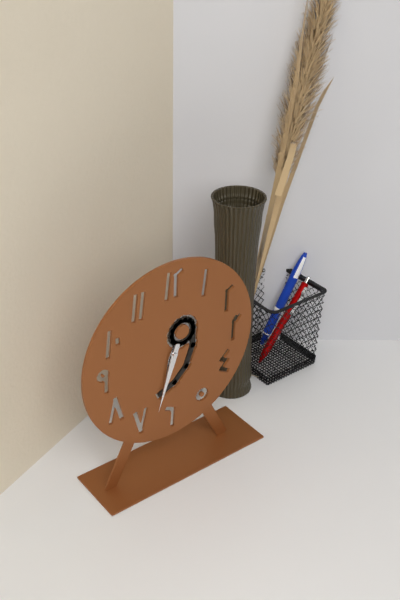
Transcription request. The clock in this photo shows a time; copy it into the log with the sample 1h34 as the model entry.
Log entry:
6h33
